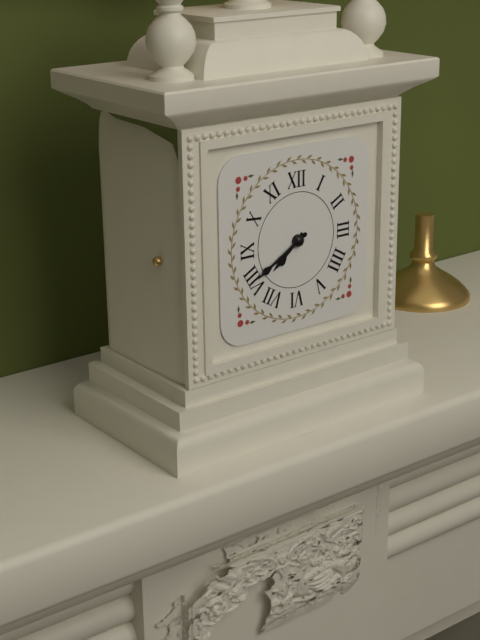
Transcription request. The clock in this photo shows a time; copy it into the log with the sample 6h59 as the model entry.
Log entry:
7h40
